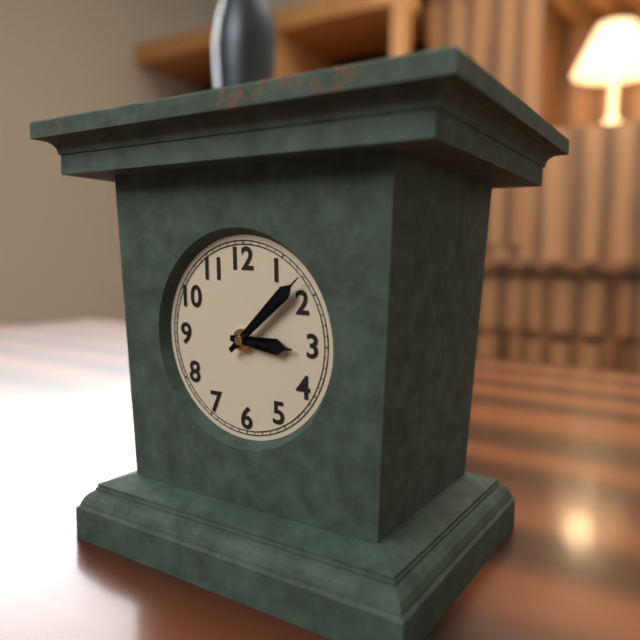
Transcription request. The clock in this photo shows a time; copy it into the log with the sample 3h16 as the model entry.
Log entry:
3h08
